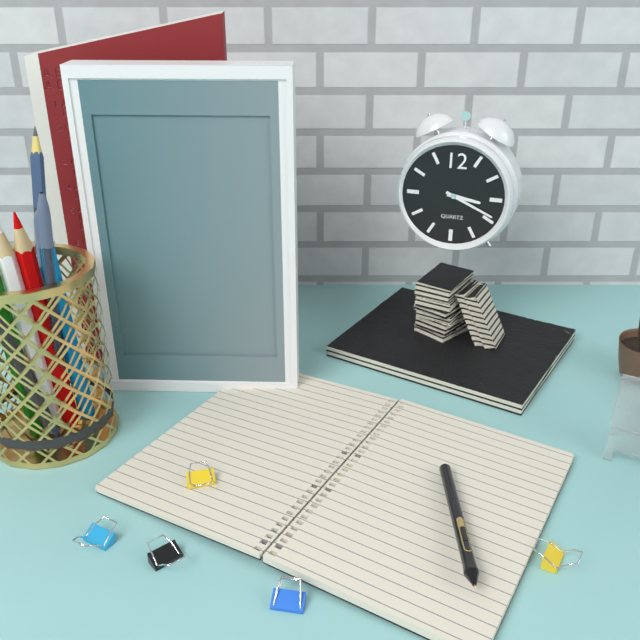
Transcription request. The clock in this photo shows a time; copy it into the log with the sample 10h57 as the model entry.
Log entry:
3h19
